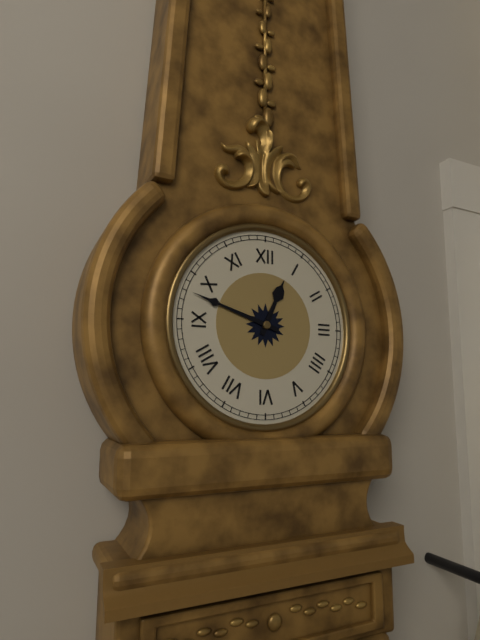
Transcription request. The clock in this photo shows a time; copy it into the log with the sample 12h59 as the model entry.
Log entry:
12h48
